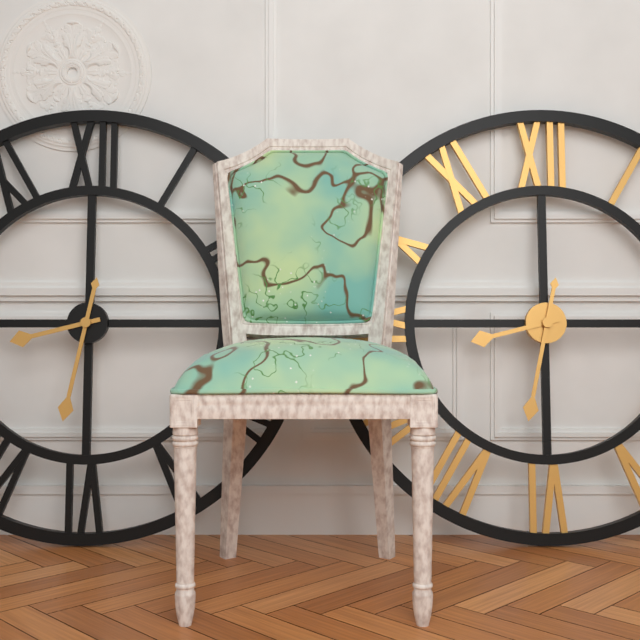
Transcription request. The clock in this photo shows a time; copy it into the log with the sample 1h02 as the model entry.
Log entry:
8h32
